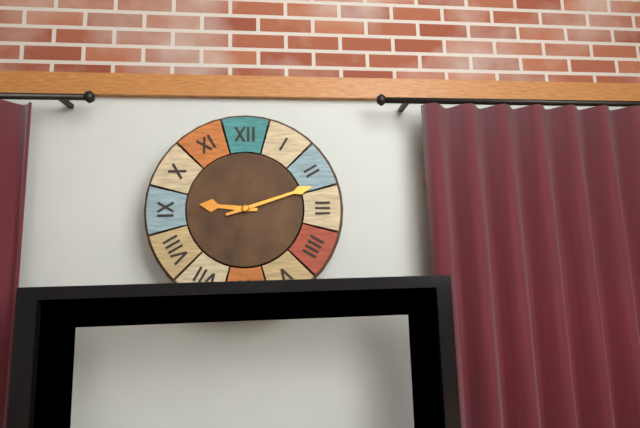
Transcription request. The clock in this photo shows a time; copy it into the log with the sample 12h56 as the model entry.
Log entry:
9h12
